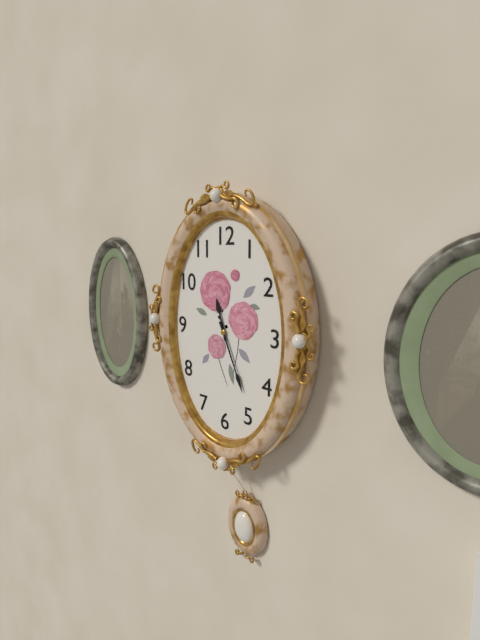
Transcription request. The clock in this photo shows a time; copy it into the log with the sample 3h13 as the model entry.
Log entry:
11h26
